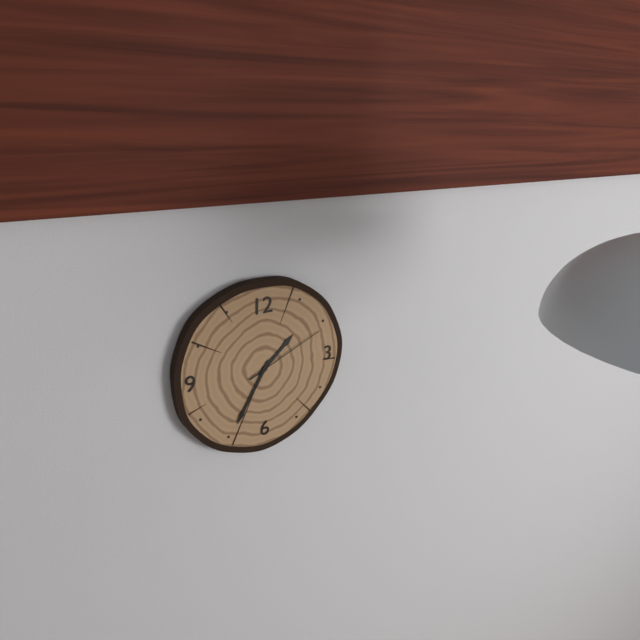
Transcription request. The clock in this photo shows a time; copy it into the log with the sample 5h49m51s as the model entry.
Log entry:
1h35m11s
